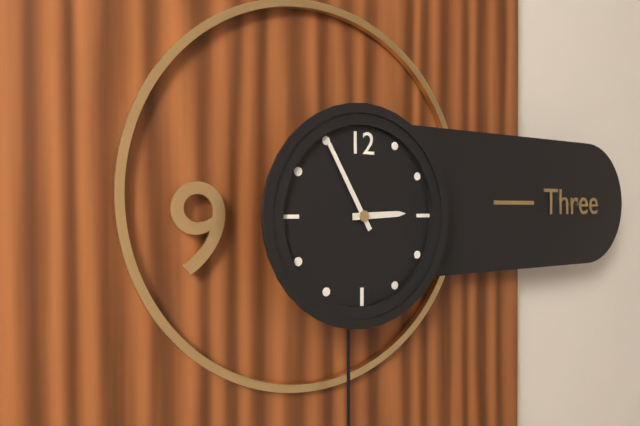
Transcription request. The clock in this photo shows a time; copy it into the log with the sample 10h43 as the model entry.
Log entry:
2h55
